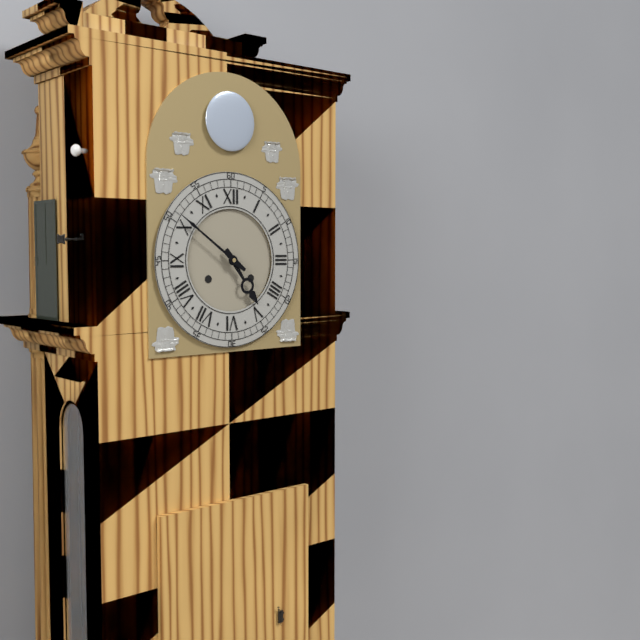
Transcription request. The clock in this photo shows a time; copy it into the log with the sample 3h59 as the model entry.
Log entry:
4h51
